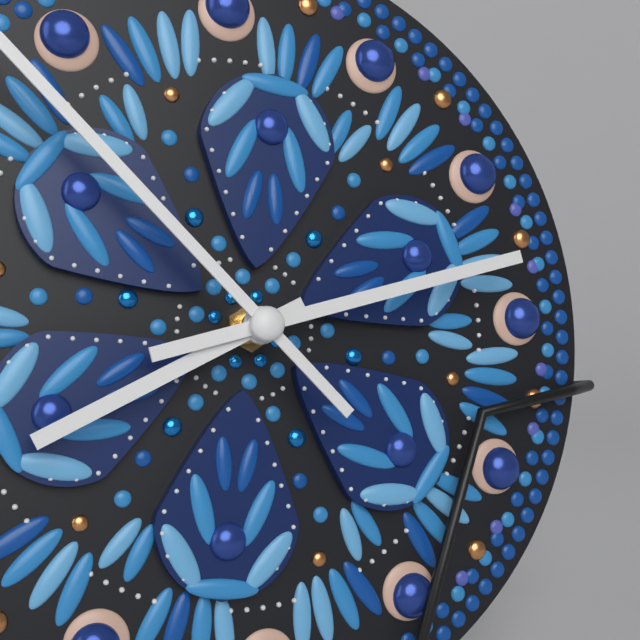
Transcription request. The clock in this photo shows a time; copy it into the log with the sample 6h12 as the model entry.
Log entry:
8h13
